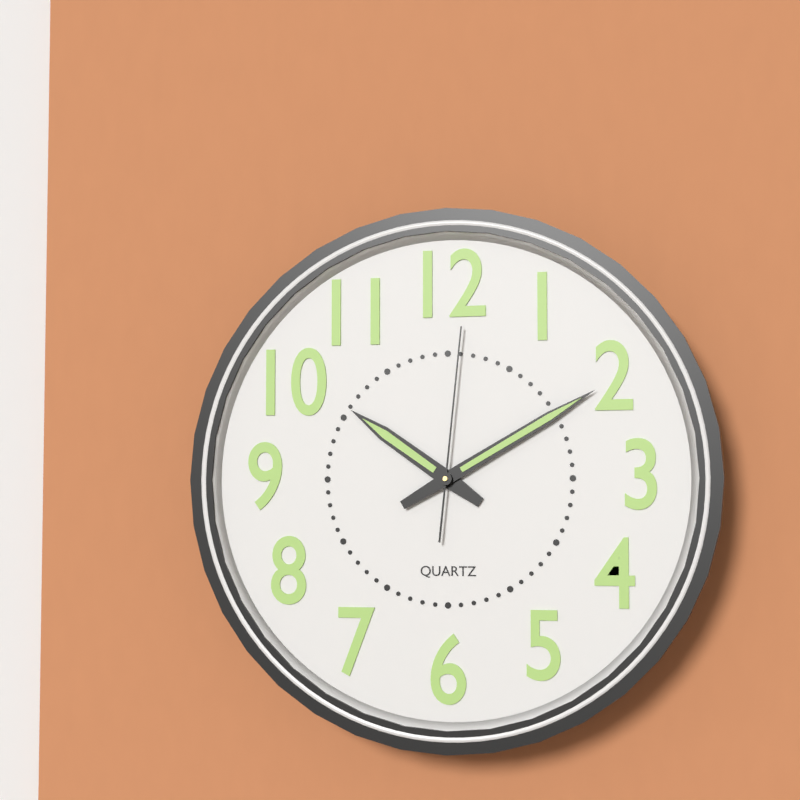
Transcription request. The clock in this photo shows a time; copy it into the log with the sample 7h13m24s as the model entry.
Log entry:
10h10m01s
